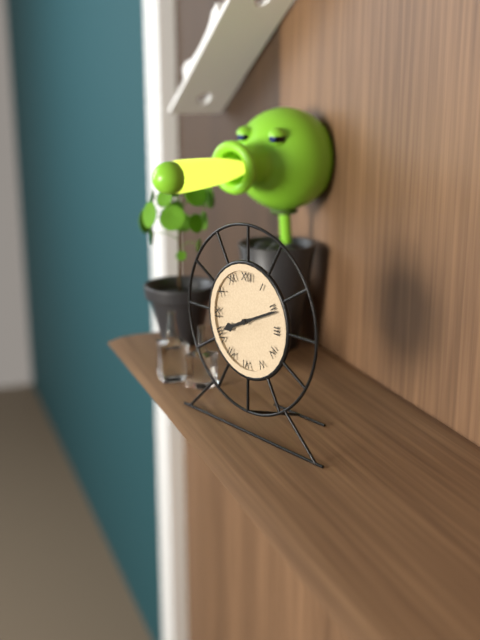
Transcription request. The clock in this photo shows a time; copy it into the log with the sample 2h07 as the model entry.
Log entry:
8h11
